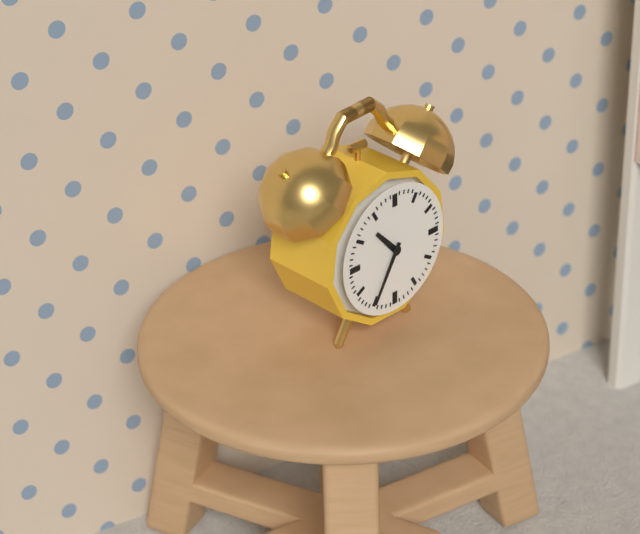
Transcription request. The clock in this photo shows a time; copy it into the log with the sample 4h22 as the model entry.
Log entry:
10h35
